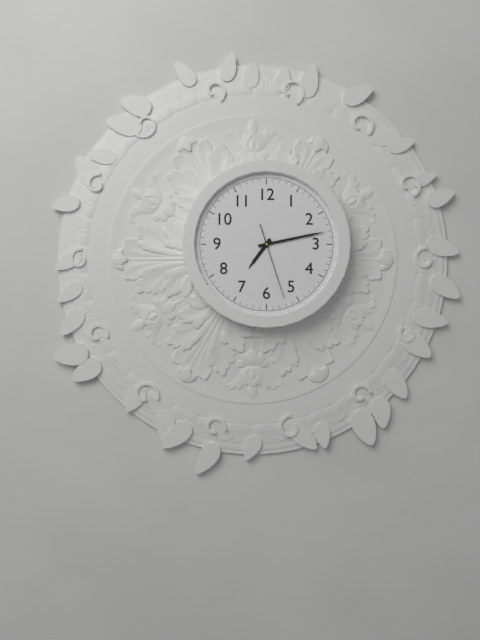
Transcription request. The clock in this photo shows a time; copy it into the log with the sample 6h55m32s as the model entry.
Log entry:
7h13m27s
